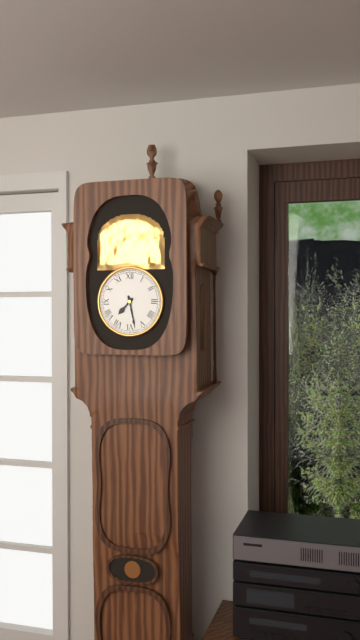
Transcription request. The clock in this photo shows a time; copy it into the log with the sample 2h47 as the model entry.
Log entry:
7h28
